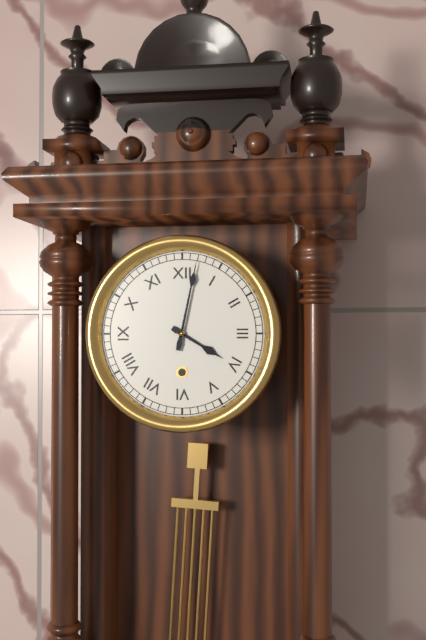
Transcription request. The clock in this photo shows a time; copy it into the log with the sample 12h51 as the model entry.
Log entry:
4h02
